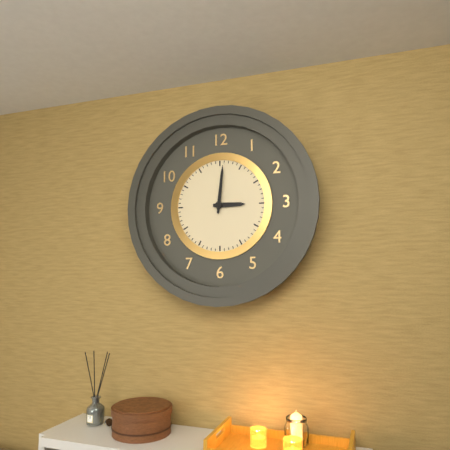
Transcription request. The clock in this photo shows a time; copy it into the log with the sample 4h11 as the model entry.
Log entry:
3h01
